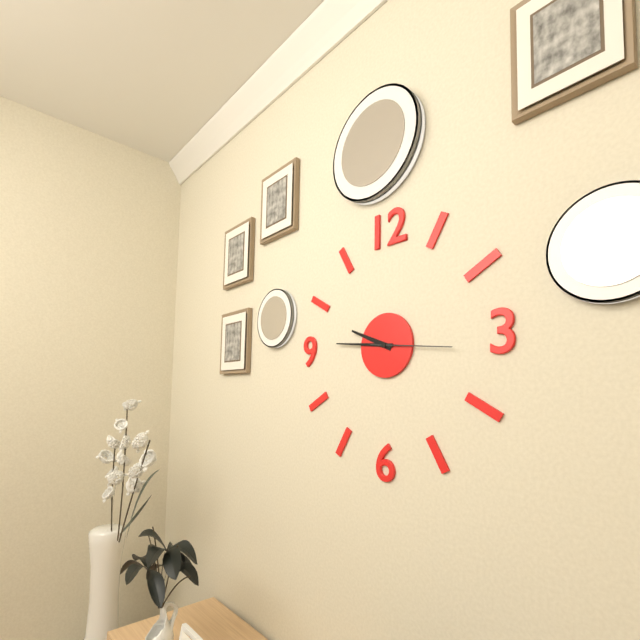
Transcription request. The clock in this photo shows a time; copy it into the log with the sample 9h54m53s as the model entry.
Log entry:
9h46m16s
